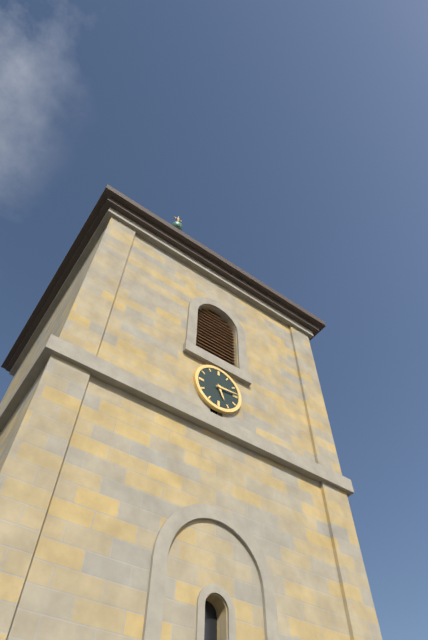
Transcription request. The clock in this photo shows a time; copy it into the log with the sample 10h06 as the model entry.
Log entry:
5h14
